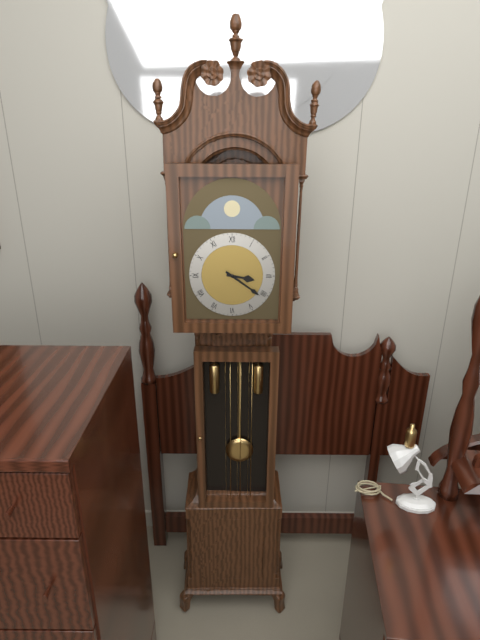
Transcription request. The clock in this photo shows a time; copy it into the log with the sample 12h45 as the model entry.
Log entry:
3h21
